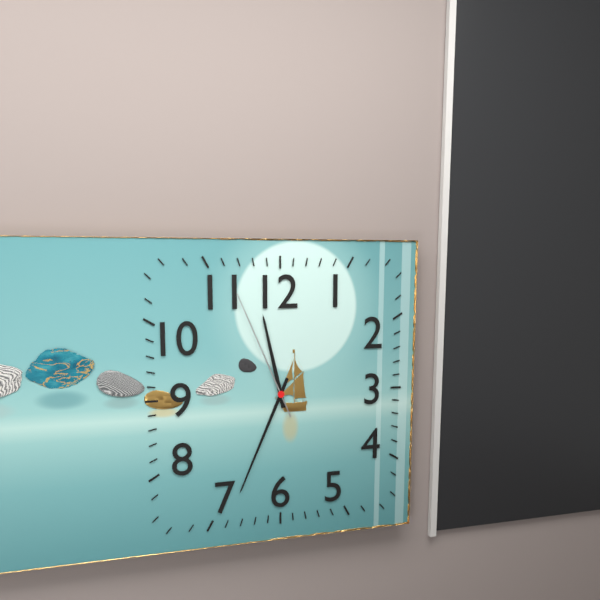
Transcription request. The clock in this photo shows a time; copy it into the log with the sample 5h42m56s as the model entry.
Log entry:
11h34m56s
